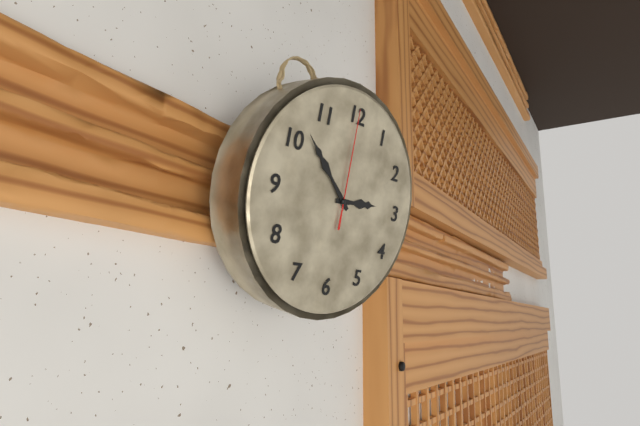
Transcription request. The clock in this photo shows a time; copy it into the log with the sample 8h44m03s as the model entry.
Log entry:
2h52m00s
